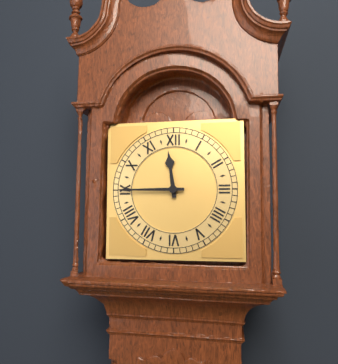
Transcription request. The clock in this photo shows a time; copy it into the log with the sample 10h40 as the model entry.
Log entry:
11h45
